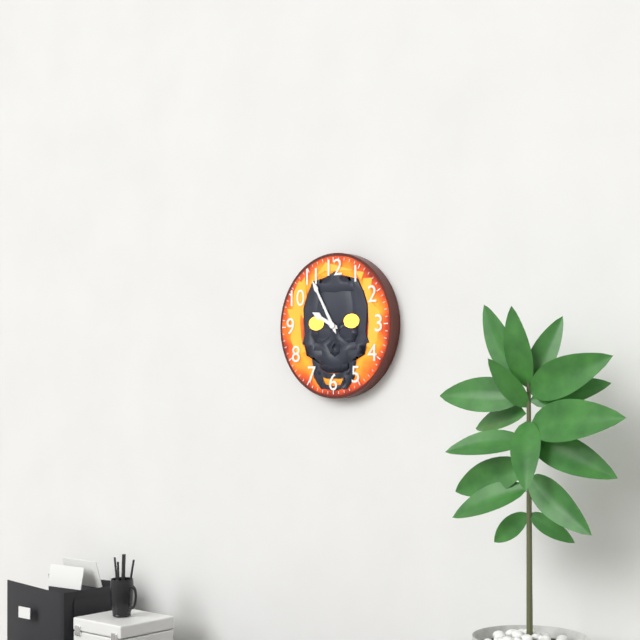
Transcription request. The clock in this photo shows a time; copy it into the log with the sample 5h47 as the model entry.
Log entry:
9h55
